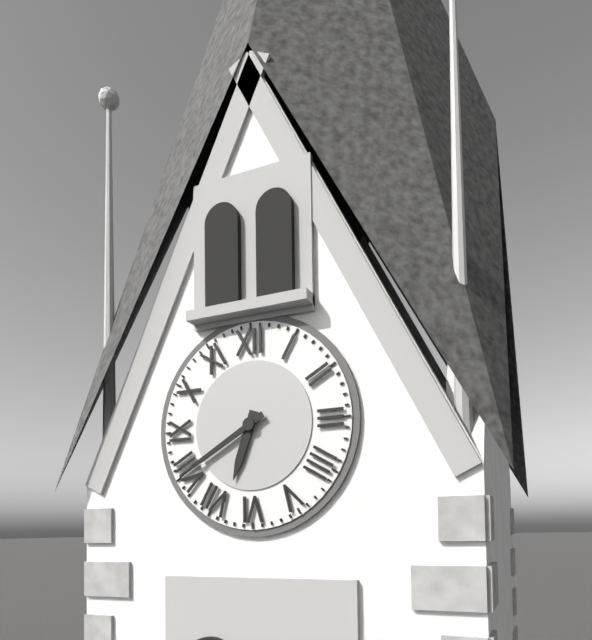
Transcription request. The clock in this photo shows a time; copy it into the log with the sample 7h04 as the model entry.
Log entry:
6h40
